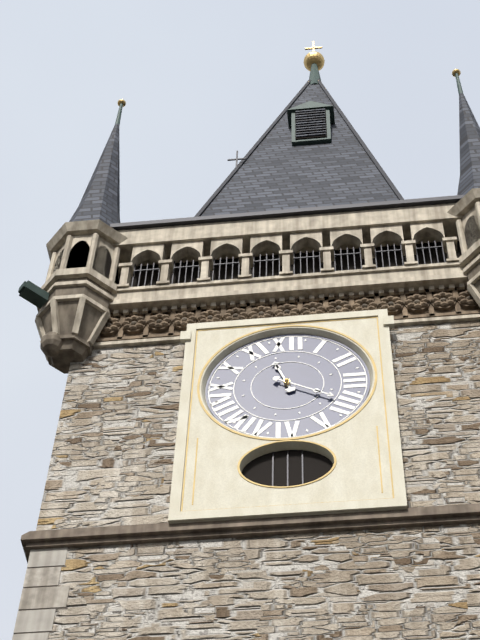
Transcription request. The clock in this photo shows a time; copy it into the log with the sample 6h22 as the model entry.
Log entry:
11h20
